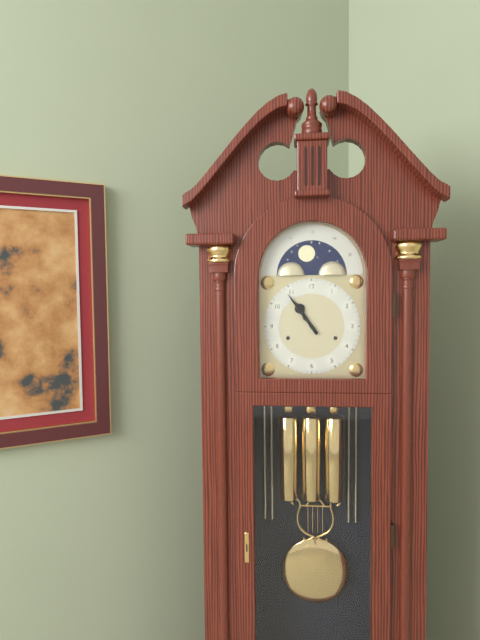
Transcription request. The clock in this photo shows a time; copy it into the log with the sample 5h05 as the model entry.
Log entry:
10h54
